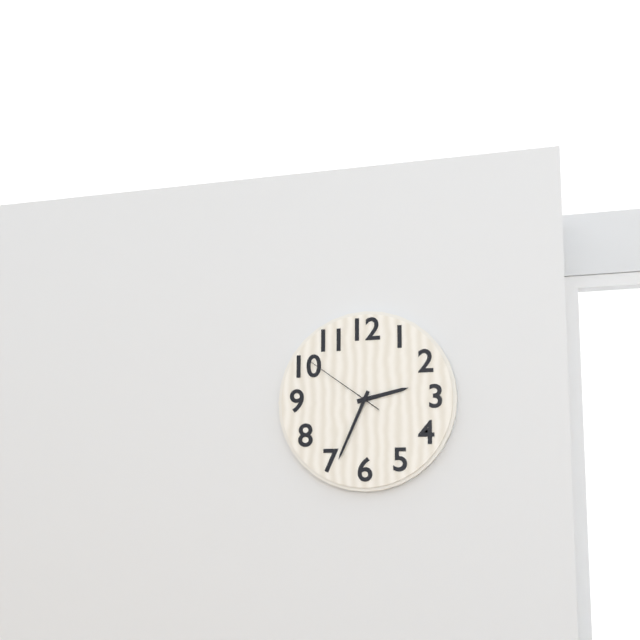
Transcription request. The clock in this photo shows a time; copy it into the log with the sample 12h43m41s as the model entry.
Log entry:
2h34m51s
